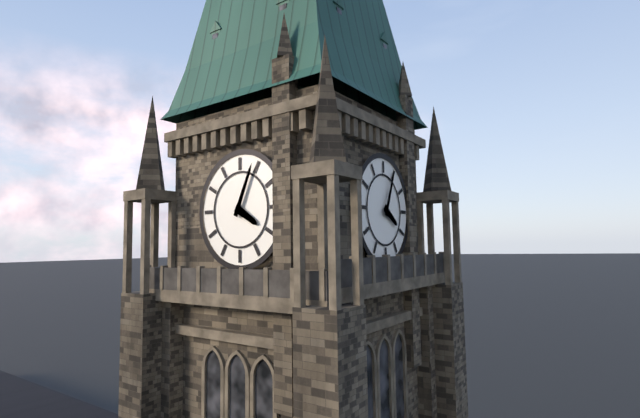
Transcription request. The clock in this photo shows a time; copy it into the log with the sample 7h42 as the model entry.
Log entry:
4h04
